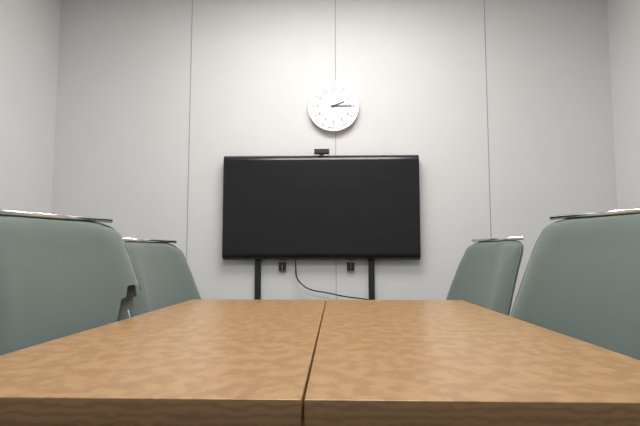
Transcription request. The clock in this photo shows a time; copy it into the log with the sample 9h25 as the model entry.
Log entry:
2h15
